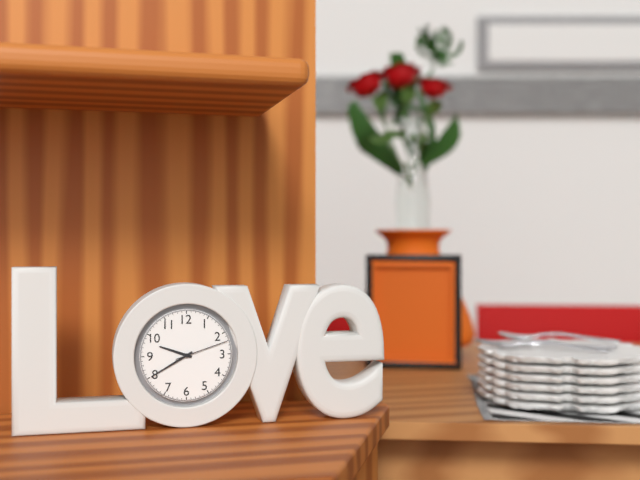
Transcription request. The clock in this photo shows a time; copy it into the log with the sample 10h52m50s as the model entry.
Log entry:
9h40m12s
